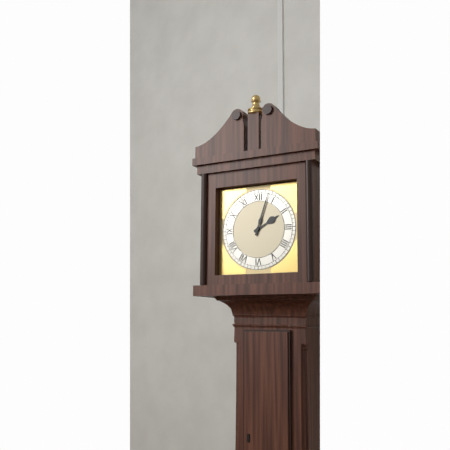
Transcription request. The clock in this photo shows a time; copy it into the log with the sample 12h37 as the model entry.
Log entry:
2h03
